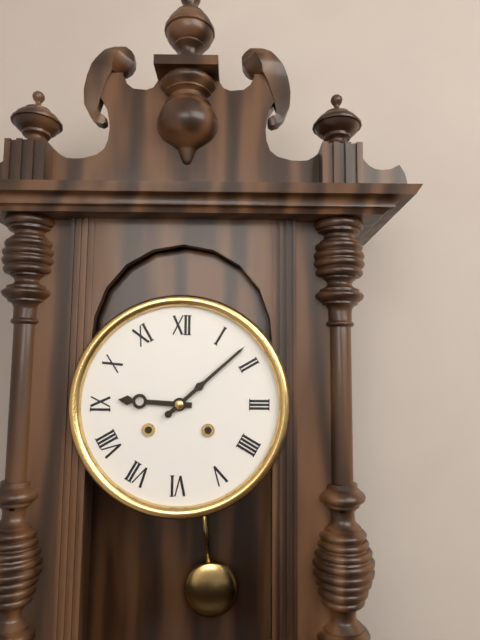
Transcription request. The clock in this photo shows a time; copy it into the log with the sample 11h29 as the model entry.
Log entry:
9h08
